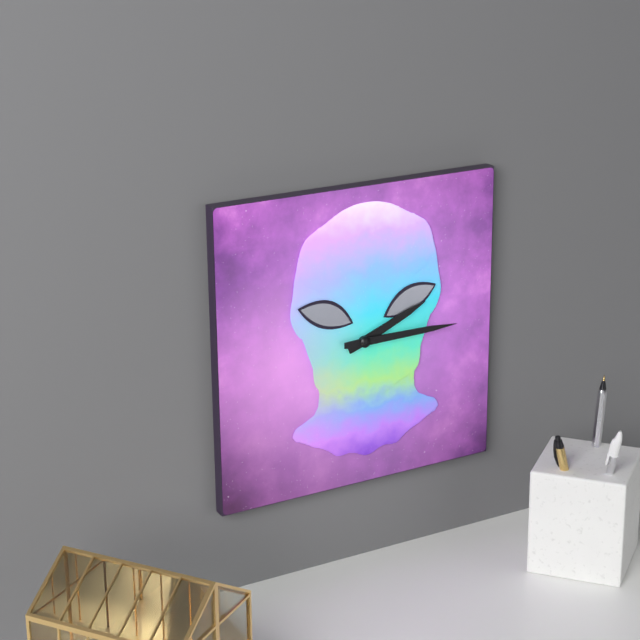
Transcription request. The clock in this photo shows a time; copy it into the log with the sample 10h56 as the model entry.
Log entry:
2h15
